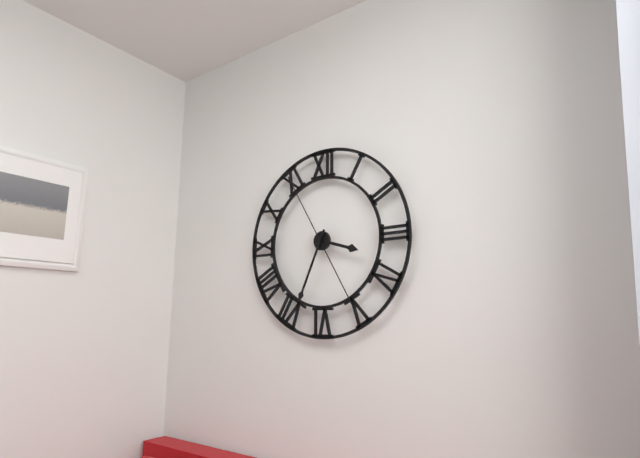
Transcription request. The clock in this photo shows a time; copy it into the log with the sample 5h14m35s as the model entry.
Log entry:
3h34m55s
